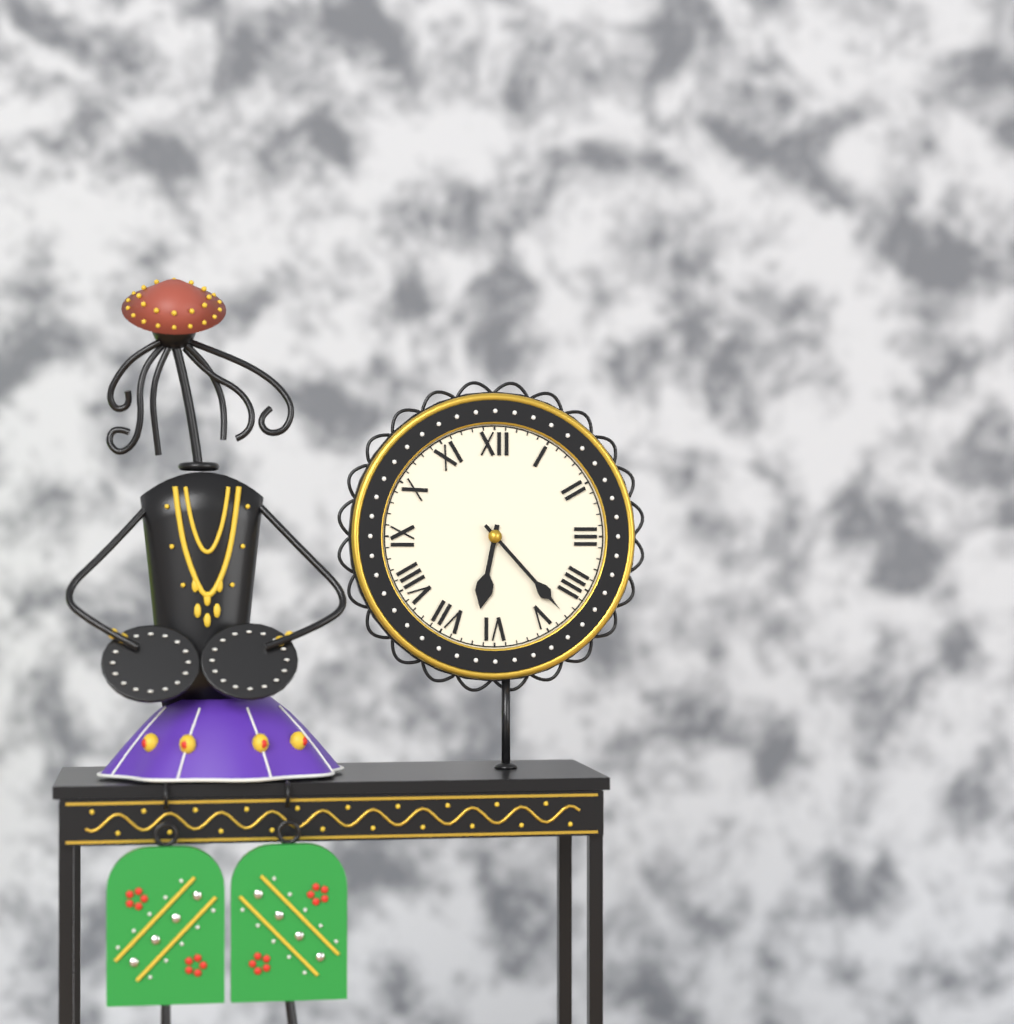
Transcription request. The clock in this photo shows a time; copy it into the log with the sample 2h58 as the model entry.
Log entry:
6h23
